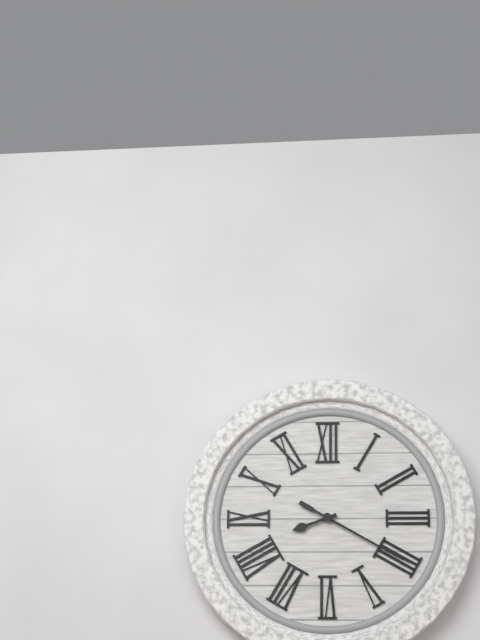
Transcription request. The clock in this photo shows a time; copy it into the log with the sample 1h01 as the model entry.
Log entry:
8h20
